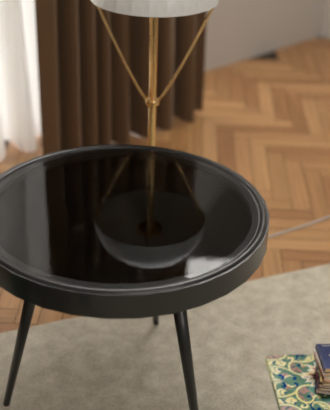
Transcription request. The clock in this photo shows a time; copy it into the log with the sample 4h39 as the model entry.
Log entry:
11h29
